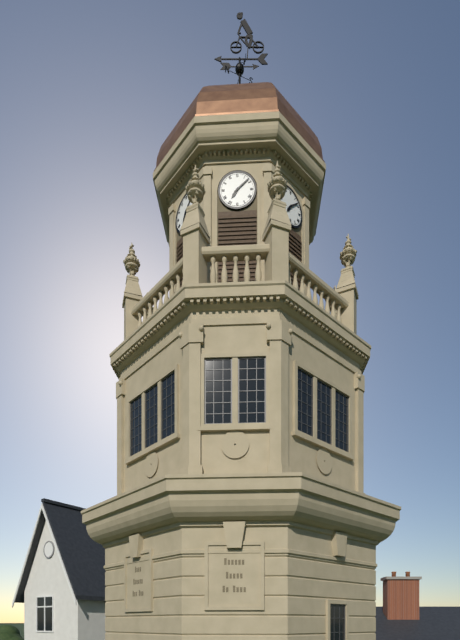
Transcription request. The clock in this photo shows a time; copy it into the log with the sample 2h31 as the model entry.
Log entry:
7h08
